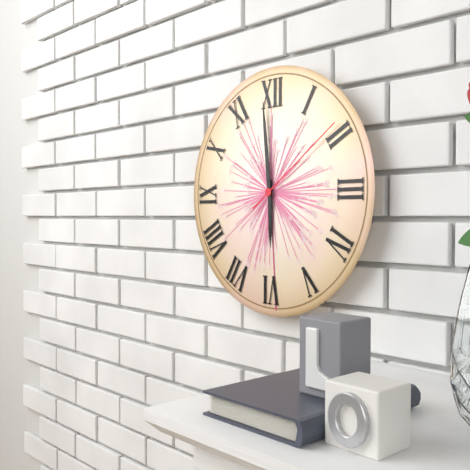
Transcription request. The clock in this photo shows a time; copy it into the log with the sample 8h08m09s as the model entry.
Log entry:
5h59m09s
